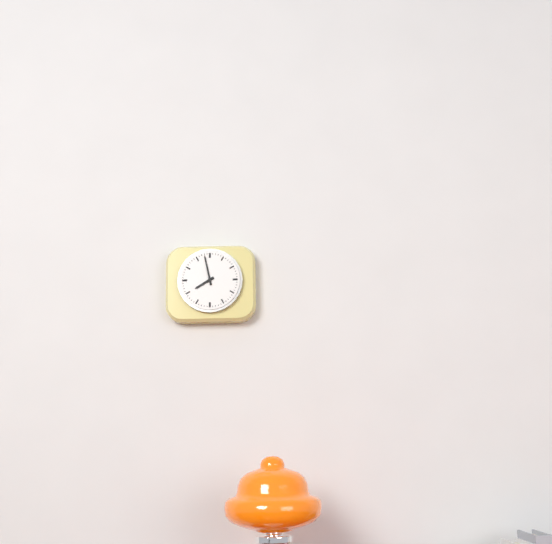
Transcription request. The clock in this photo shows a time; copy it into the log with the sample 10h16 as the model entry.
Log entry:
7h58
